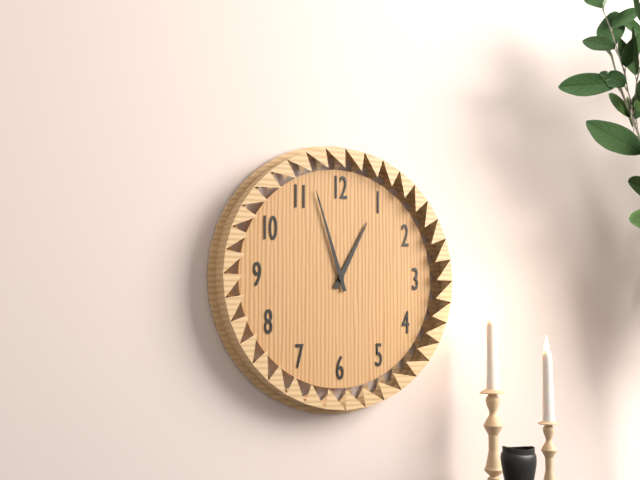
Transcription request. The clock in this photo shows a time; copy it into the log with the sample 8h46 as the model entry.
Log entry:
12h57
